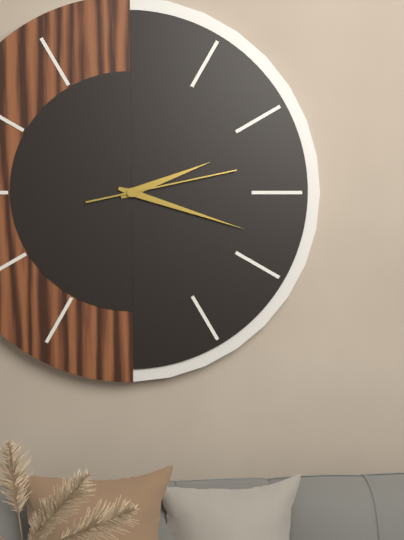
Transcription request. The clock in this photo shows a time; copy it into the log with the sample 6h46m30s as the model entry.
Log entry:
2h18m13s
